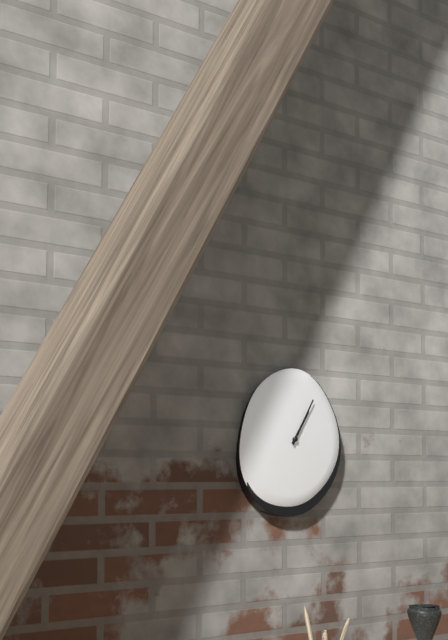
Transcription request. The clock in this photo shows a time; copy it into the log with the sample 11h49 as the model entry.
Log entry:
1h05
